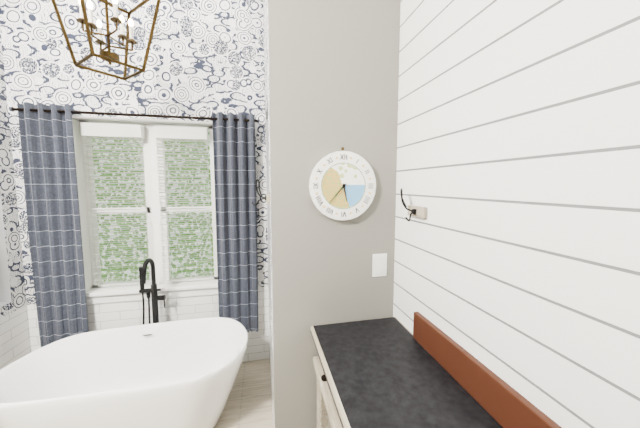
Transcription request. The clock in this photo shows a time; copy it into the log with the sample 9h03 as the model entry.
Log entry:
5h37
